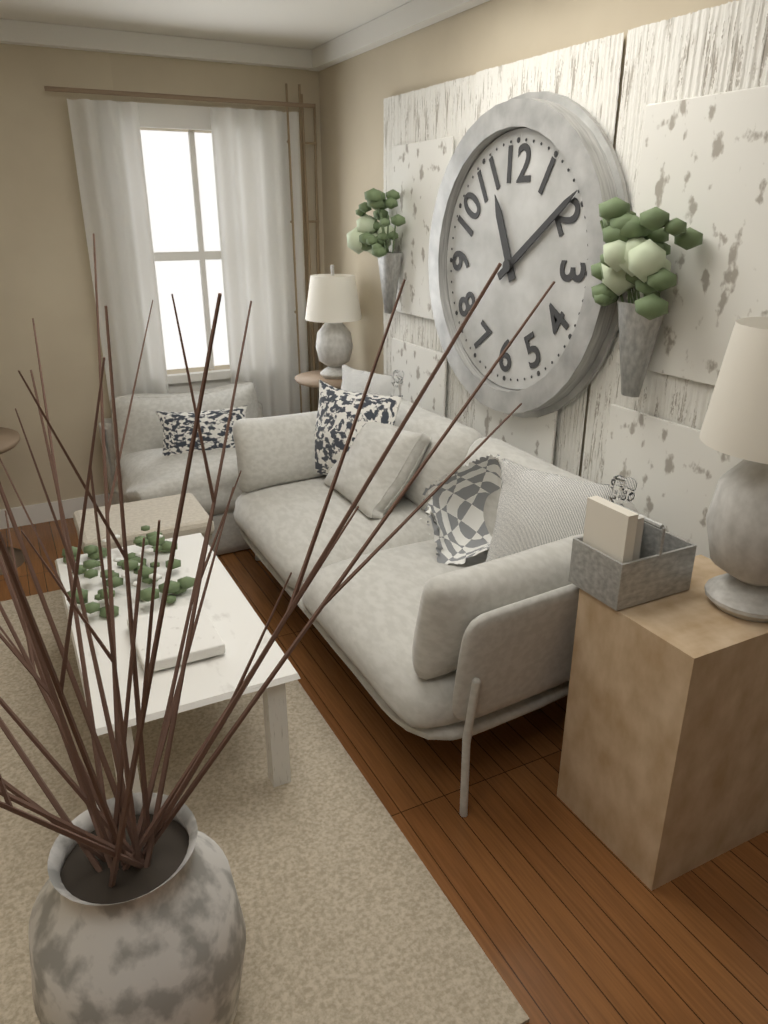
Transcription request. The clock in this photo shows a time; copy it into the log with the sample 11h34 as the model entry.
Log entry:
11h09
